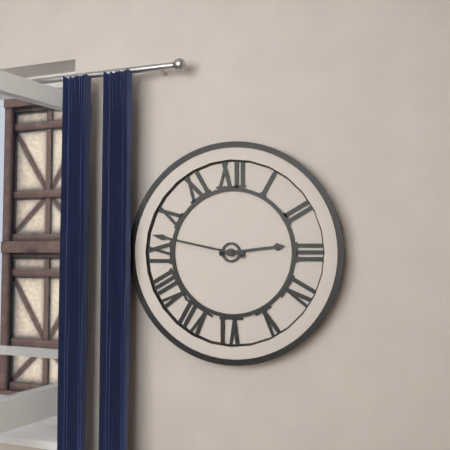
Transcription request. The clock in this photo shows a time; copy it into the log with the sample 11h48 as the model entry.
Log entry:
2h47
